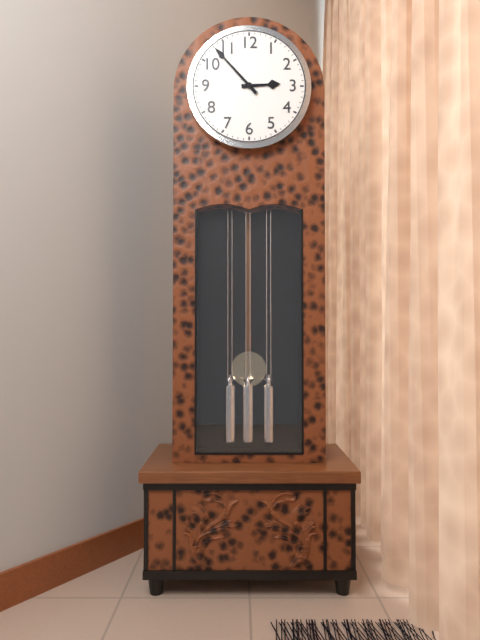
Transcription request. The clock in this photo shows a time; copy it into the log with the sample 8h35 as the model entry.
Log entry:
2h53
